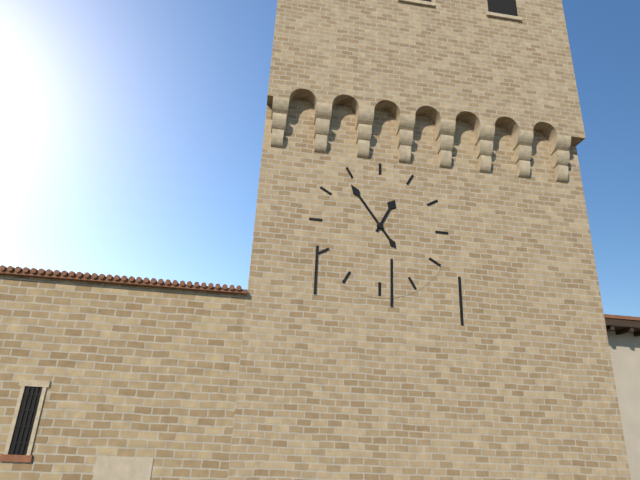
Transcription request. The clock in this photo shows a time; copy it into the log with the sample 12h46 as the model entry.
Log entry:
12h54
